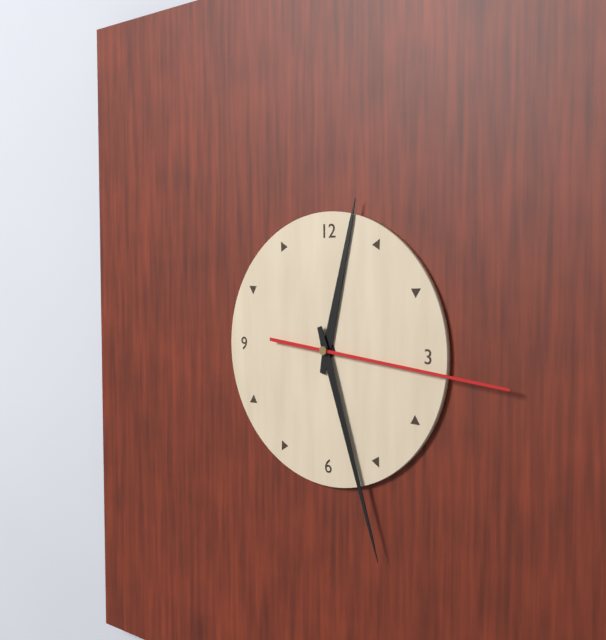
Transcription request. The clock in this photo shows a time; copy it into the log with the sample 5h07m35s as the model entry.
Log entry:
12h27m16s
